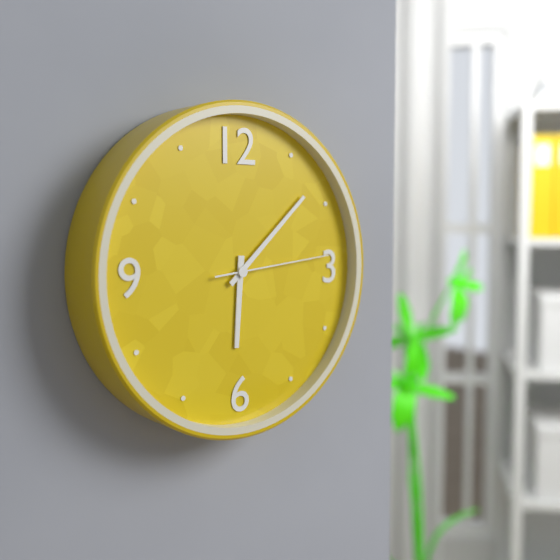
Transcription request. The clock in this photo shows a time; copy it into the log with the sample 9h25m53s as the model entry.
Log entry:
6h08m14s
